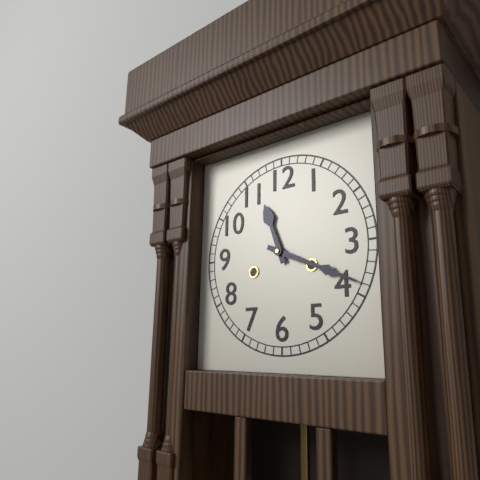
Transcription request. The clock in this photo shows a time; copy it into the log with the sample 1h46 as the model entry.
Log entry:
11h19
